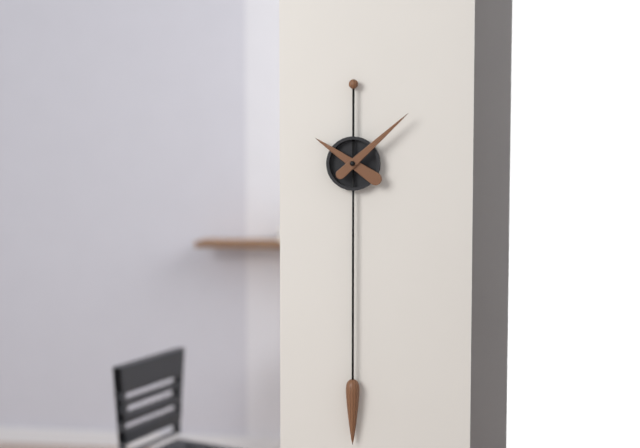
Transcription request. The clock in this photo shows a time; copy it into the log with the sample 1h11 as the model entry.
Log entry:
10h08
